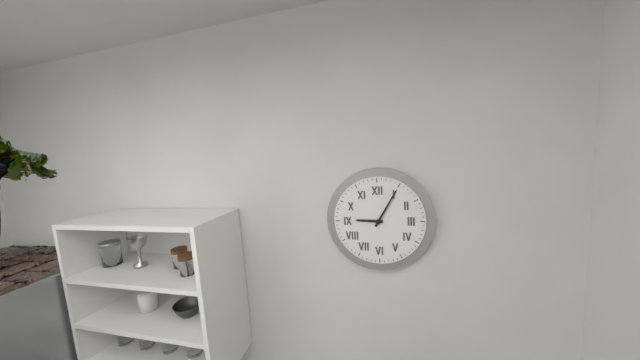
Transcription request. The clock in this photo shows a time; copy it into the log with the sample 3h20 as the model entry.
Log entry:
9h05
